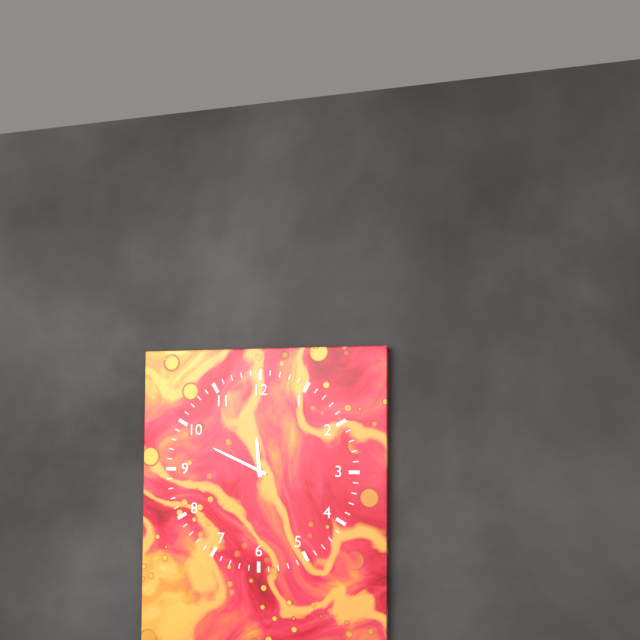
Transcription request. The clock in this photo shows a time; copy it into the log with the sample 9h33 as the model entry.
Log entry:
11h49
